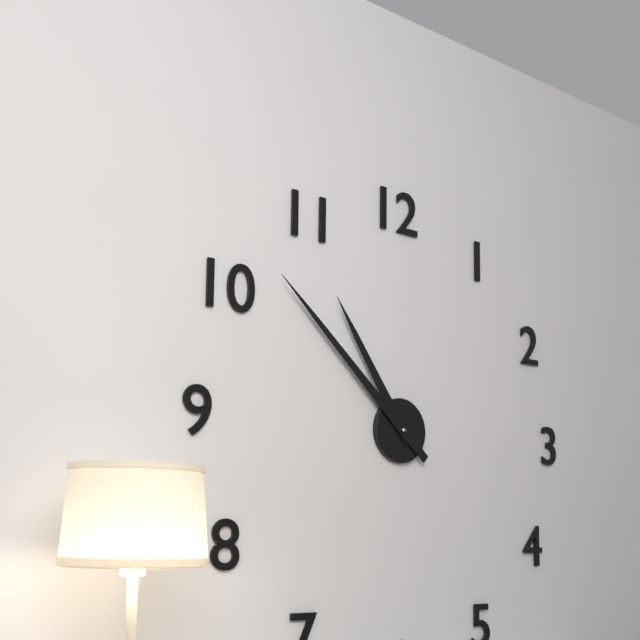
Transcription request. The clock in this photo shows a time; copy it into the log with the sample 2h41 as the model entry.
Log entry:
10h52
